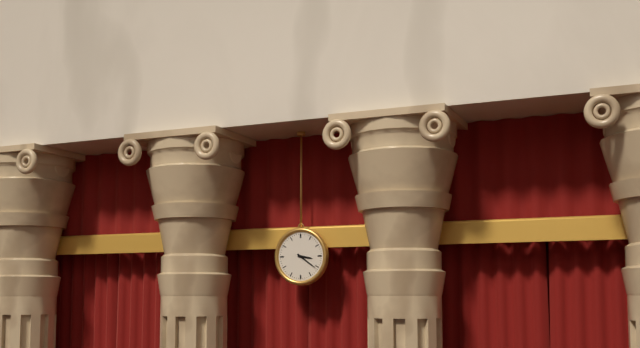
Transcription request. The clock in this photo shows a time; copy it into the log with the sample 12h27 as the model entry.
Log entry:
3h21
